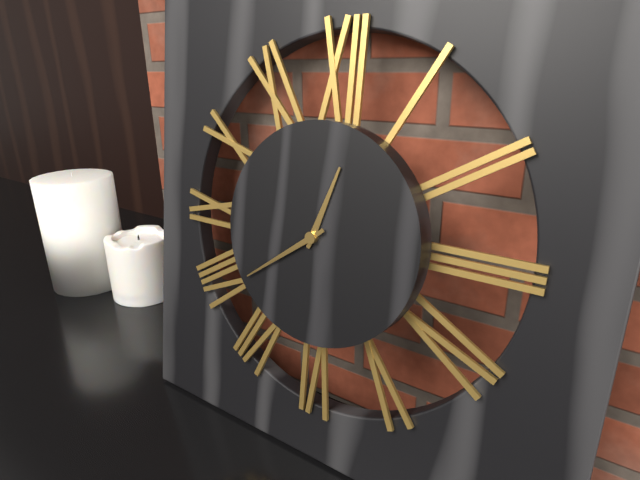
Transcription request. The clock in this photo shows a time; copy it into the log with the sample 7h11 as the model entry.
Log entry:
12h39
